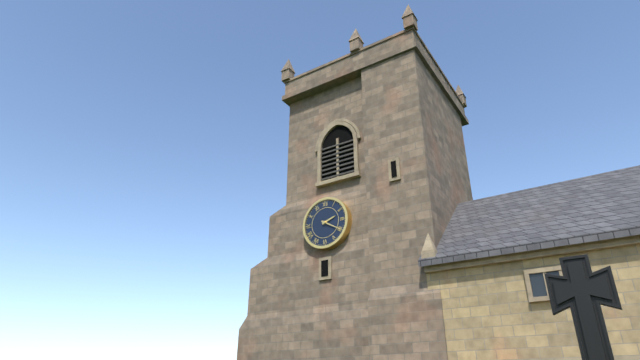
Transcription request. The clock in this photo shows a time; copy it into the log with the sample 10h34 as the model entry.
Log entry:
2h20
